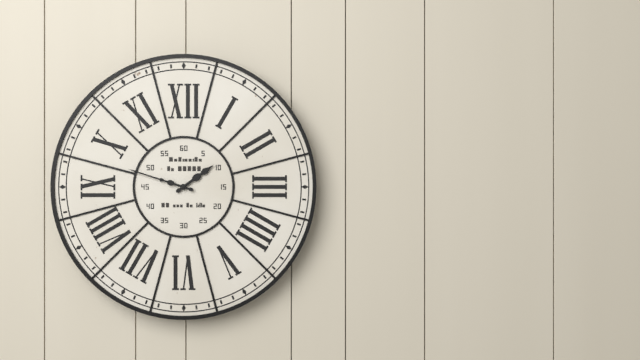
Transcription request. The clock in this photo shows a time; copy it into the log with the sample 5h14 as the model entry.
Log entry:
1h48
